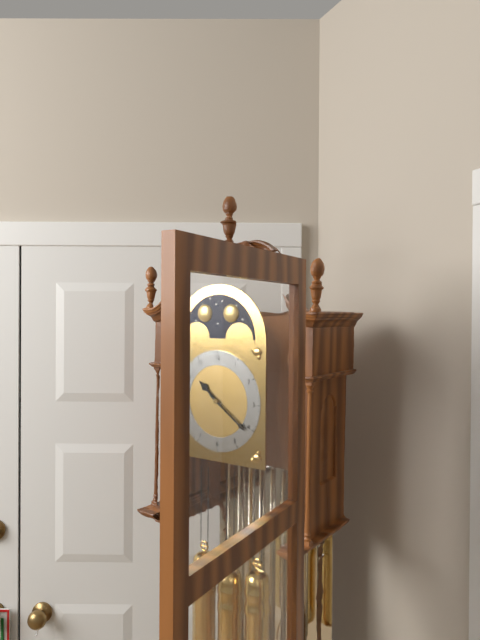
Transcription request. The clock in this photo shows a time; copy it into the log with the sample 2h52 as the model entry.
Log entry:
10h21
